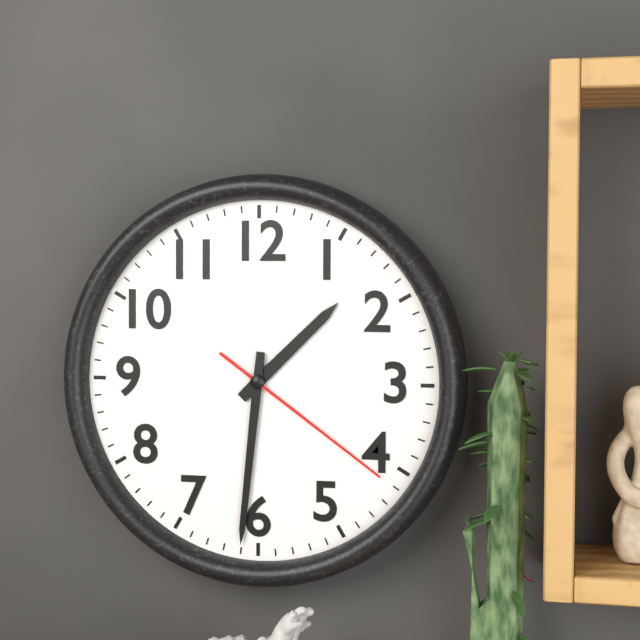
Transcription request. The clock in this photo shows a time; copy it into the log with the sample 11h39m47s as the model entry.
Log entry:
1h31m21s
